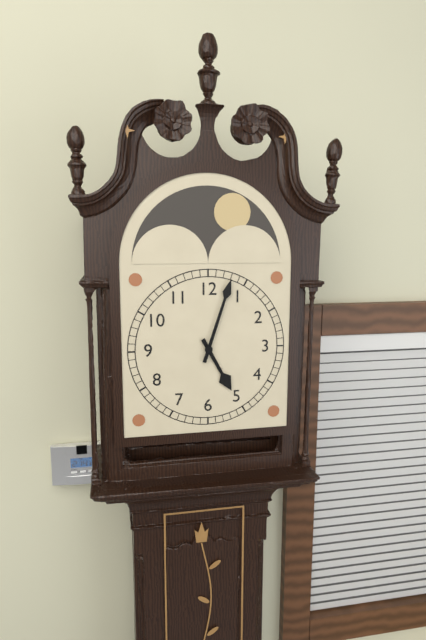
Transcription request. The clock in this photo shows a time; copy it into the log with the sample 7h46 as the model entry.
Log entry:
5h03
